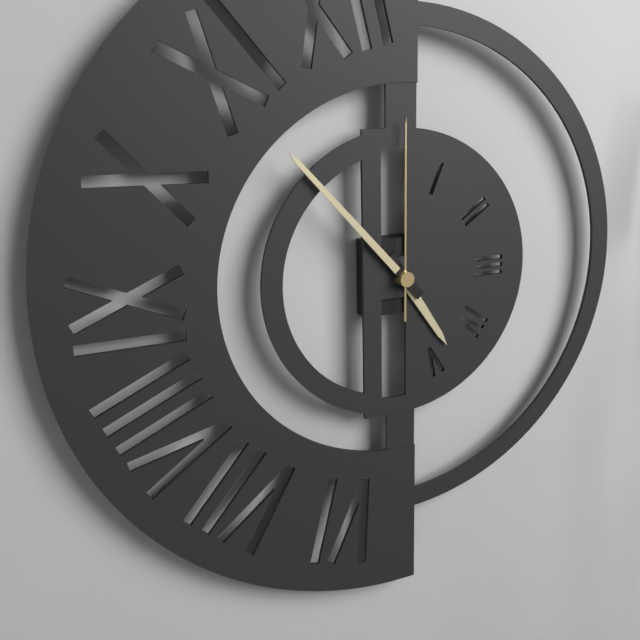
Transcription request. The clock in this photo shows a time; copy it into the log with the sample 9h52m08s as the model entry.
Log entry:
4h53m00s
